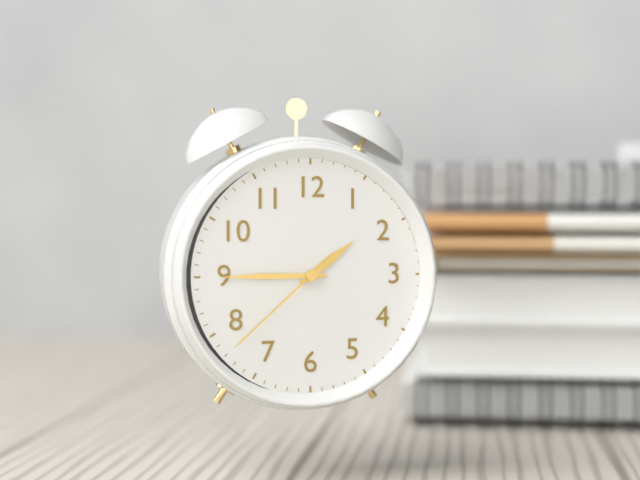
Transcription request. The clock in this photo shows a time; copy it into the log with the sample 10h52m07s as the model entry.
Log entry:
1h45m38s
